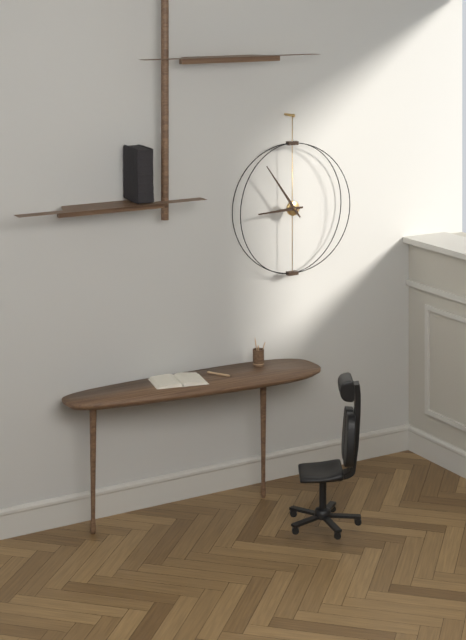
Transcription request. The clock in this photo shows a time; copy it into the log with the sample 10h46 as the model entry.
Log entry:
8h54
